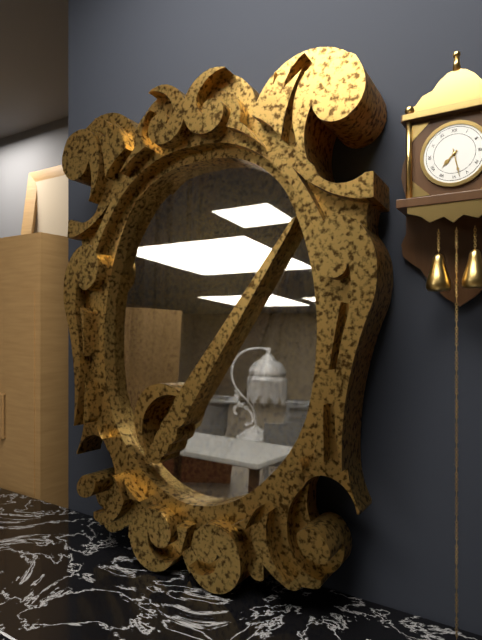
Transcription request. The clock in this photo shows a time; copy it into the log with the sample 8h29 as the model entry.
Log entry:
7h28
